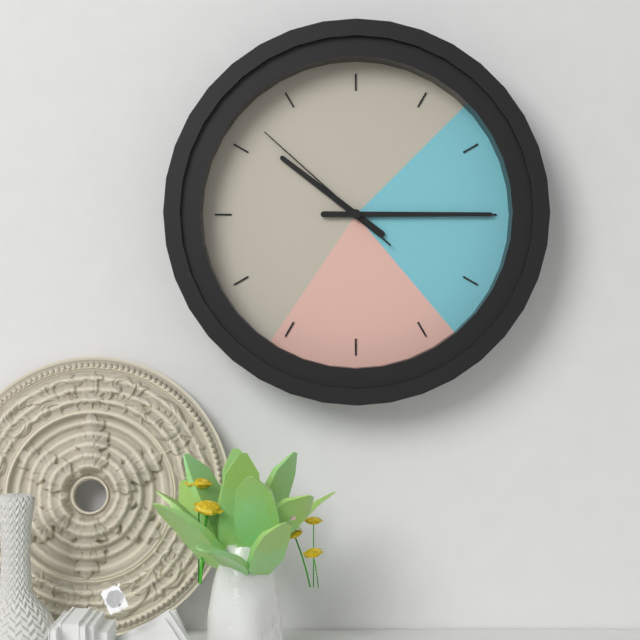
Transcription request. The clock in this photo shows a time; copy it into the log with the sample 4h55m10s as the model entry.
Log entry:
10h15m52s
